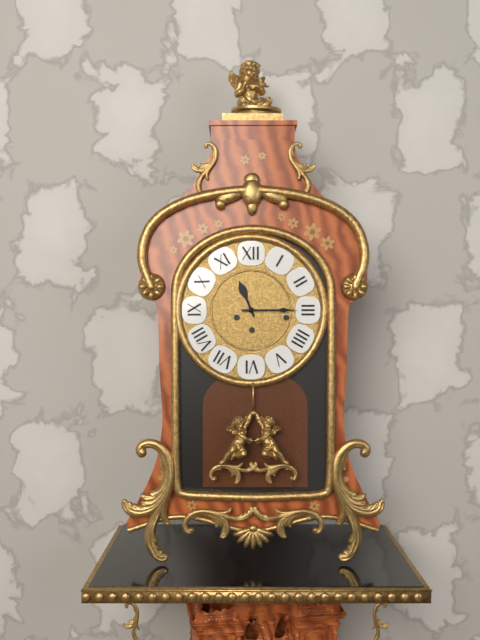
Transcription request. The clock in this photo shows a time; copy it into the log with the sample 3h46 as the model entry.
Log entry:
11h15
